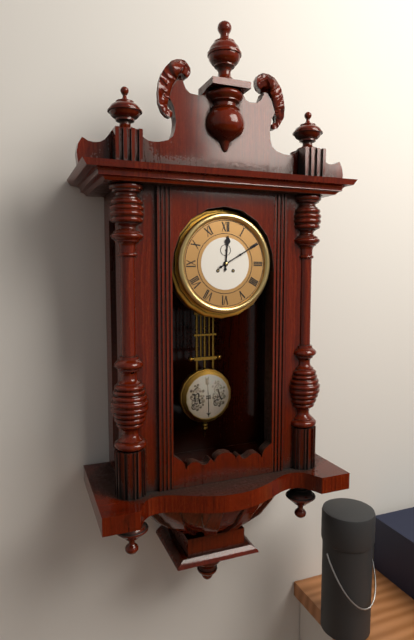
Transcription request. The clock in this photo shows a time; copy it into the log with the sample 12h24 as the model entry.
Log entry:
12h10
